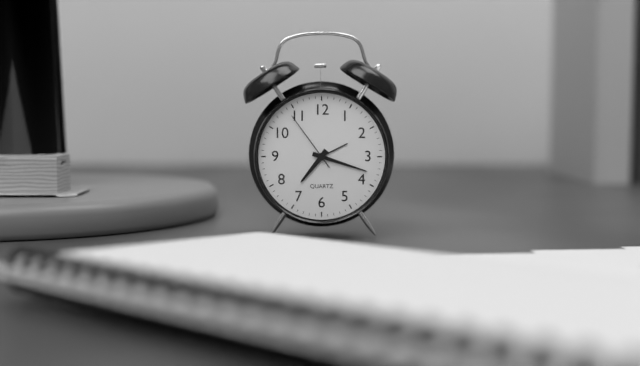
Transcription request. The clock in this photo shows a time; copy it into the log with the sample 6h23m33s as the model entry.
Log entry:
7h18m54s
